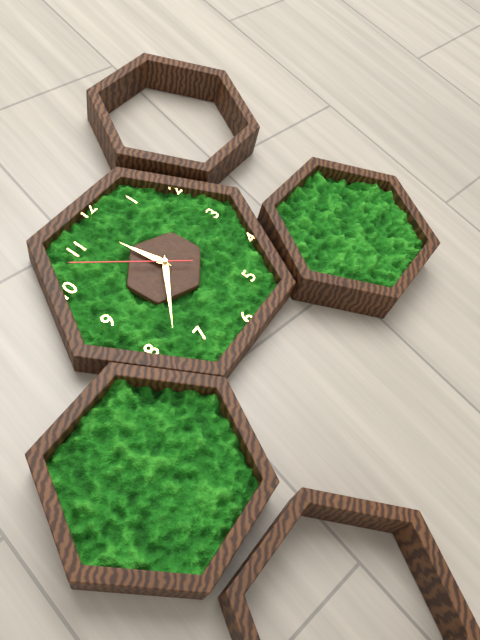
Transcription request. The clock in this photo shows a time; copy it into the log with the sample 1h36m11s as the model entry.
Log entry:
11h38m53s
